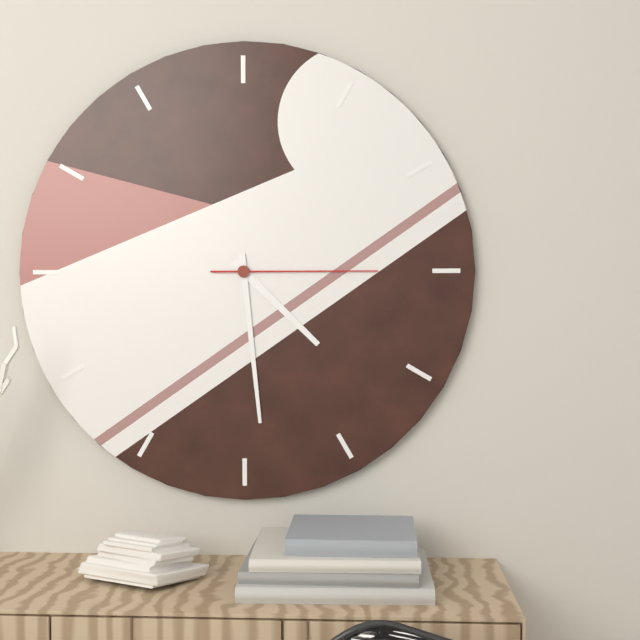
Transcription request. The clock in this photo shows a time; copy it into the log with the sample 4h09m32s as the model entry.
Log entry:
4h29m15s
